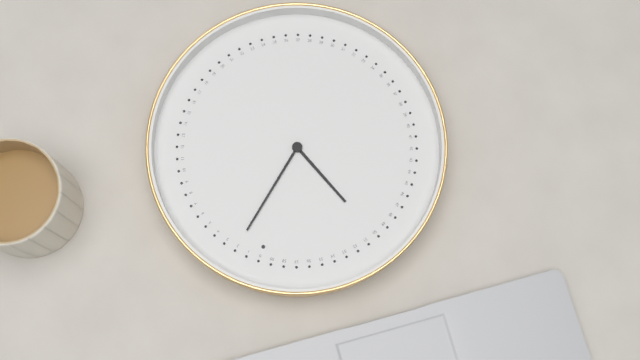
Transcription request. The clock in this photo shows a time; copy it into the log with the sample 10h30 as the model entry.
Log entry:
10h02
